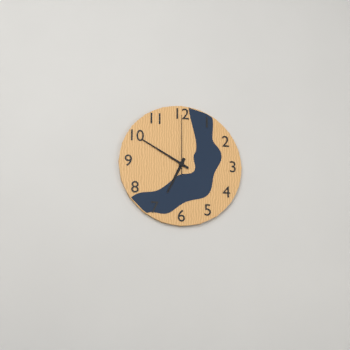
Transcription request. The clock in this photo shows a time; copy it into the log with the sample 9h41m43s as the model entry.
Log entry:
6h50m00s
